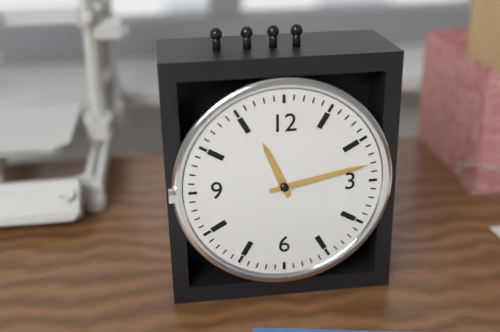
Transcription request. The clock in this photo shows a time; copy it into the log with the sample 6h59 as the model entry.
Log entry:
11h13
